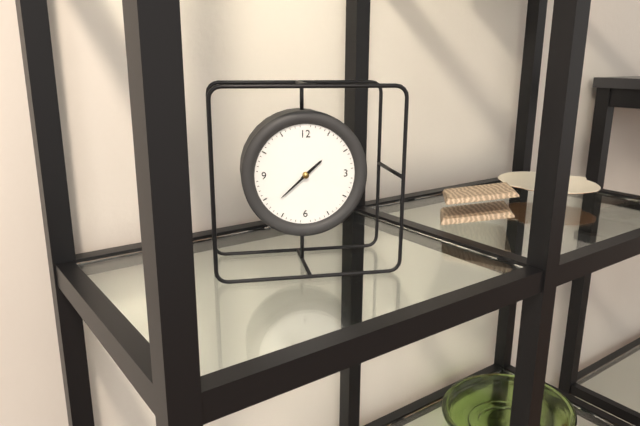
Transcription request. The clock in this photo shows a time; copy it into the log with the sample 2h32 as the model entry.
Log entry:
1h38
